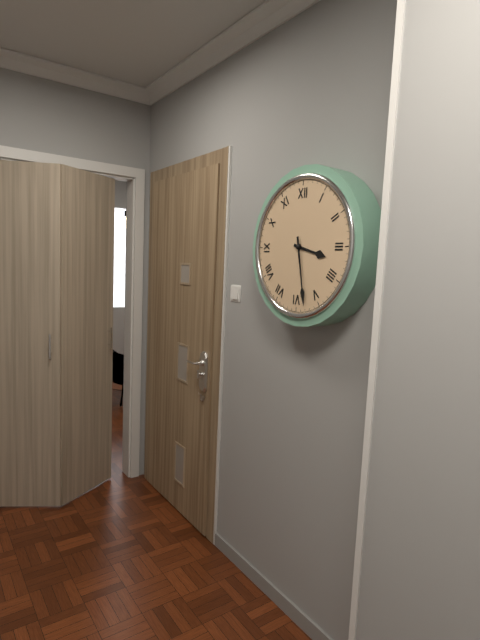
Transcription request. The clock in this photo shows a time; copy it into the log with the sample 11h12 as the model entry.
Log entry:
3h28
